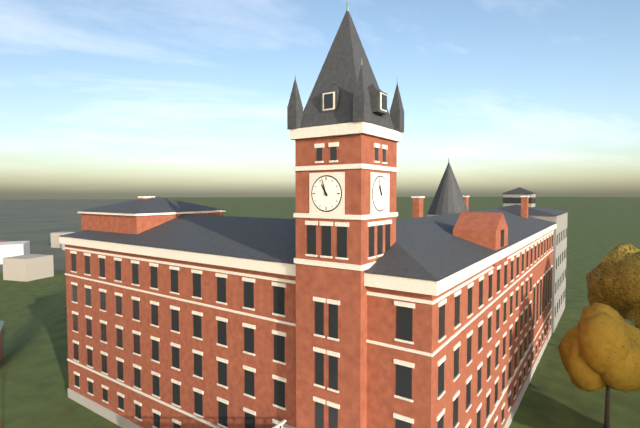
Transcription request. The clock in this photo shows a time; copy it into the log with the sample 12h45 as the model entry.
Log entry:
10h57
